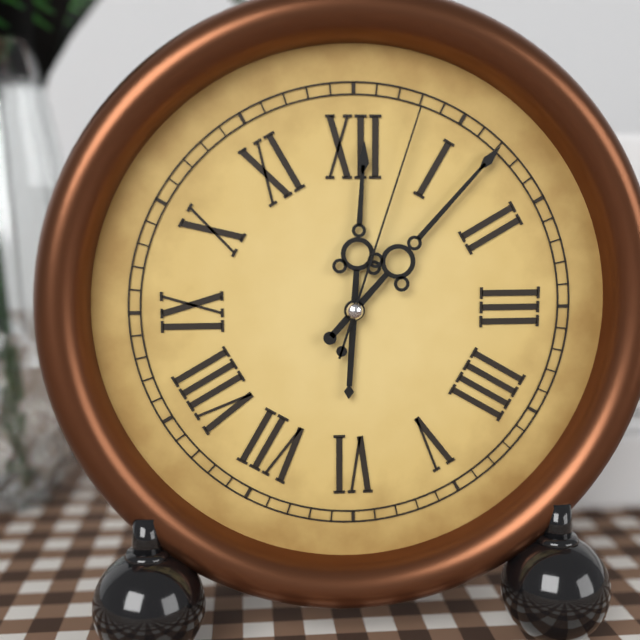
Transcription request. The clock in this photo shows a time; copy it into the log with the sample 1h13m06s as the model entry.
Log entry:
12h07m03s
